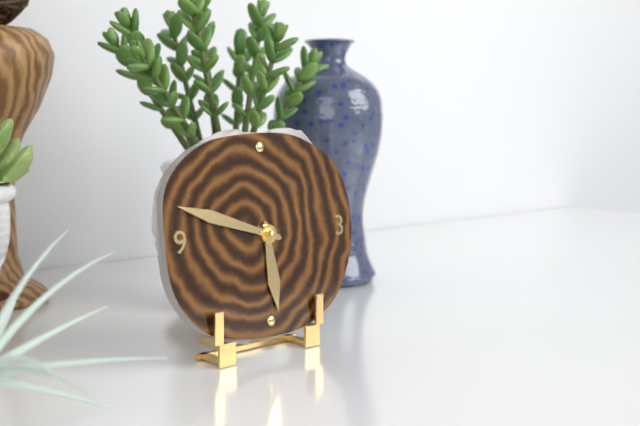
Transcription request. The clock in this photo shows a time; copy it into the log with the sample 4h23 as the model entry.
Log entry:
5h48
